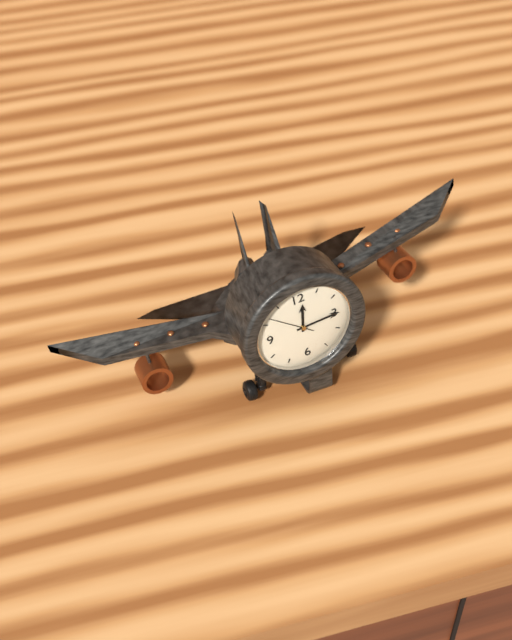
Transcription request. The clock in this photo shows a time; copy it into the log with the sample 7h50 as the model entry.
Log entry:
12h15
